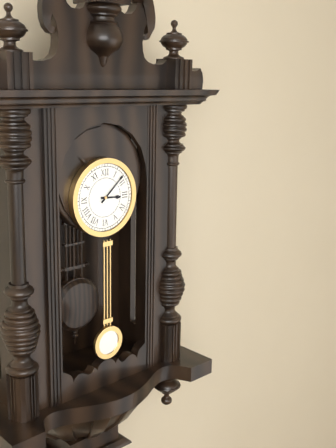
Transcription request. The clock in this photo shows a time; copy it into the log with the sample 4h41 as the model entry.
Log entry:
3h08
